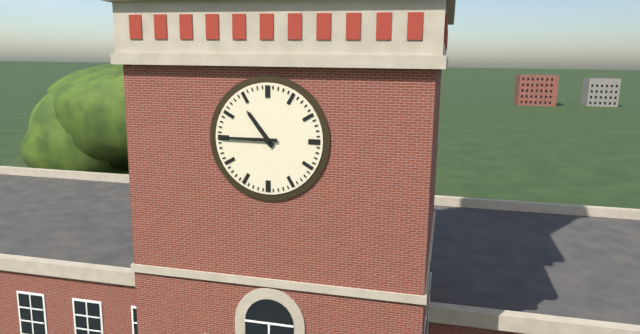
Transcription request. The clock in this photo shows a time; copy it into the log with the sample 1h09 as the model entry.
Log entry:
10h45
